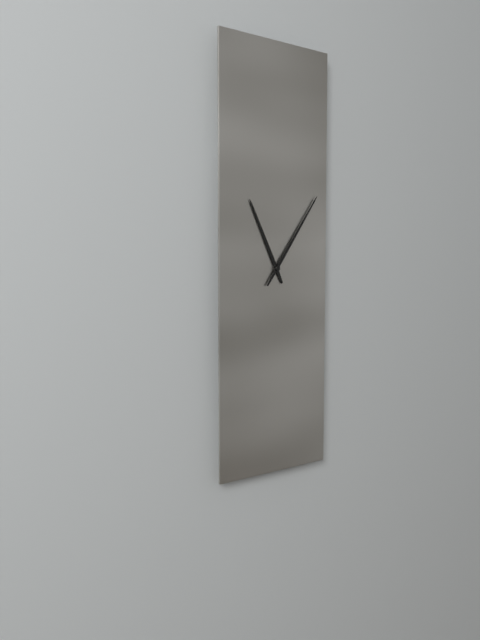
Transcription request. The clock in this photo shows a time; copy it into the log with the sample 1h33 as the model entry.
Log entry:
11h06
